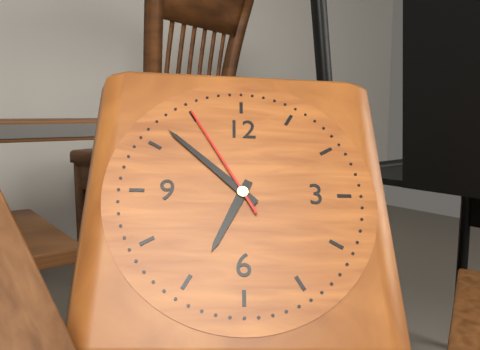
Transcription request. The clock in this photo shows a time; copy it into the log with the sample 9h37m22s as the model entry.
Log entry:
6h52m55s
